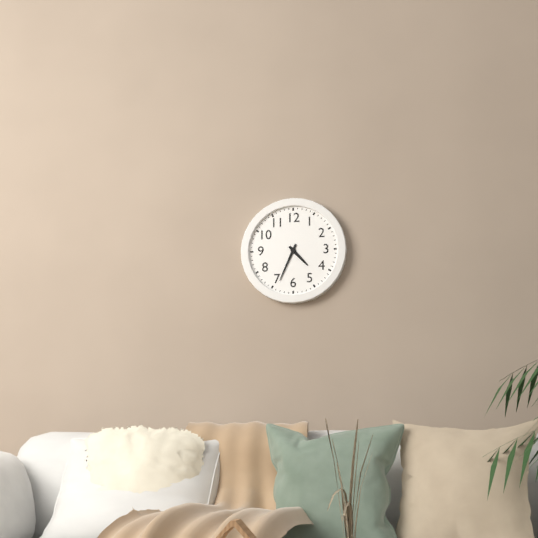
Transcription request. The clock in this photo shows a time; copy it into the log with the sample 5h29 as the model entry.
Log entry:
4h34
